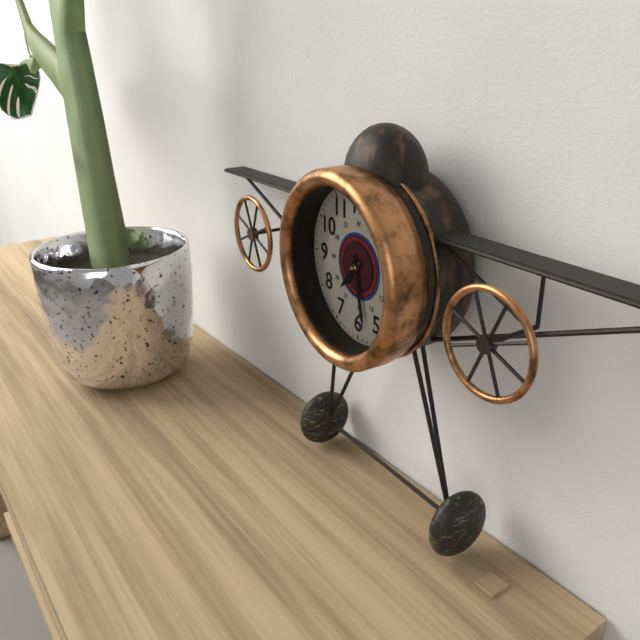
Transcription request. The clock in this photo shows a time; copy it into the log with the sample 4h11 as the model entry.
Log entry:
7h28
